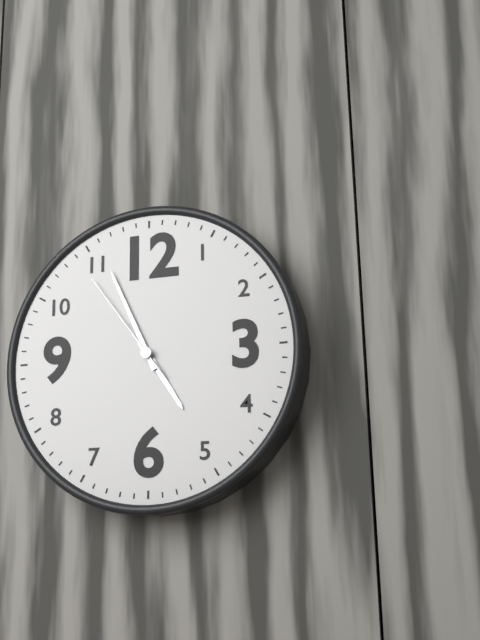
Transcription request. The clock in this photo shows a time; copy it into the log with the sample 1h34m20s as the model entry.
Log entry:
4h56m54s
